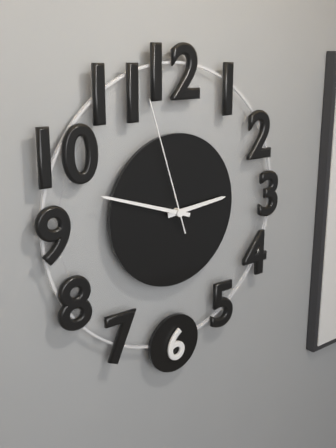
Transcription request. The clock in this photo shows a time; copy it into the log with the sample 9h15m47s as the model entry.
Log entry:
2h48m57s
